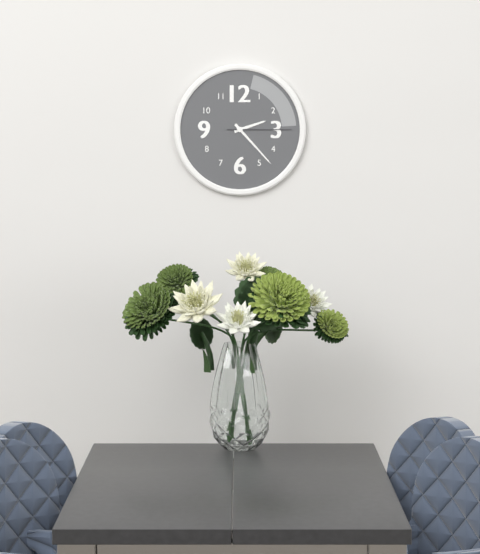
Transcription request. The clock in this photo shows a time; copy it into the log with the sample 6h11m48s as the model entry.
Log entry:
2h23m15s
